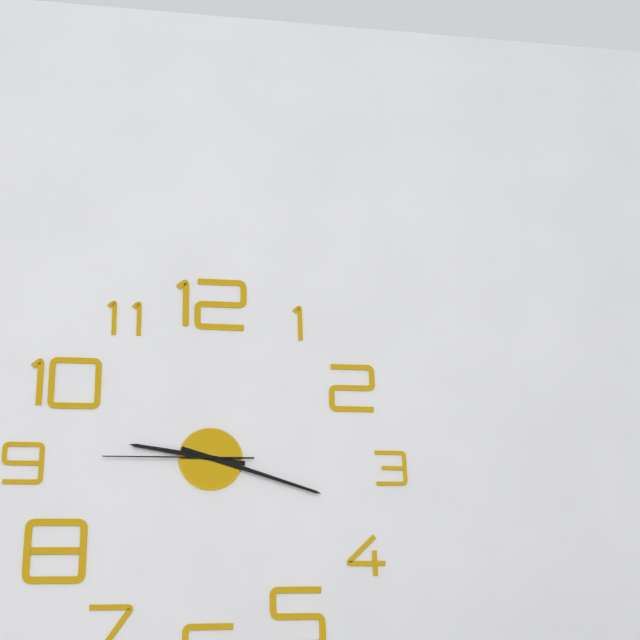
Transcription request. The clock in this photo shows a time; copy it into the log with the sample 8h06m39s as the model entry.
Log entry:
9h18m45s
